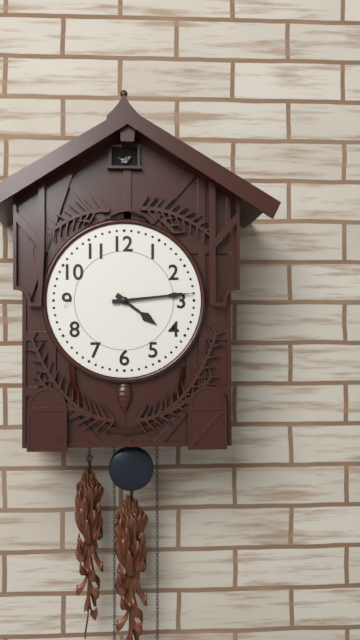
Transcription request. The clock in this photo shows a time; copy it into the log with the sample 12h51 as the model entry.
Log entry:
4h14
